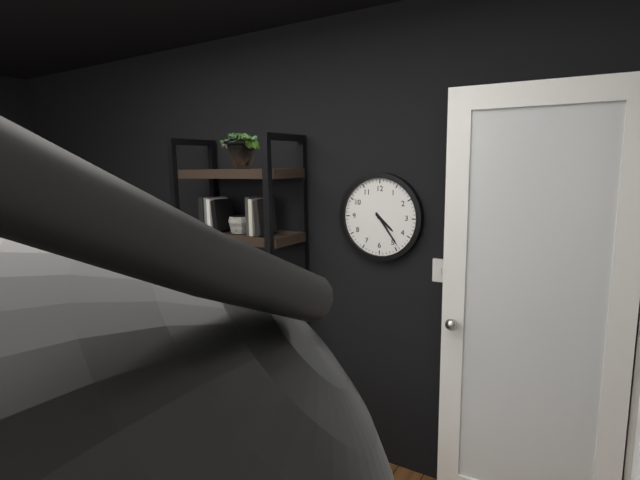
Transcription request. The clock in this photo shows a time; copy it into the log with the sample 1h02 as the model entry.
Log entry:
4h24
